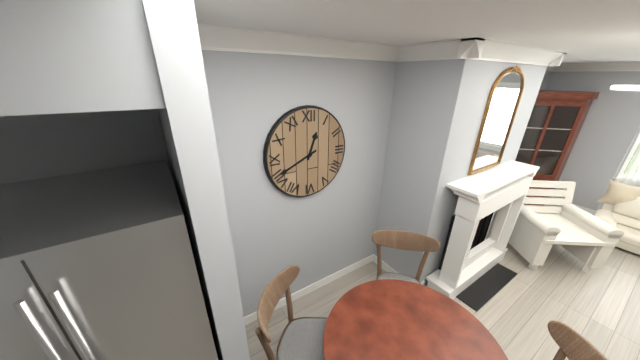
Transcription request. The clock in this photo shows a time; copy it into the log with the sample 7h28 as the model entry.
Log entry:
12h41
